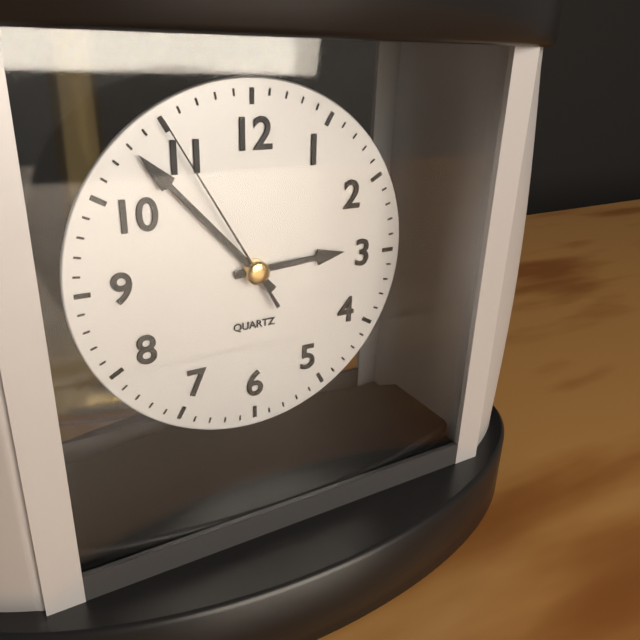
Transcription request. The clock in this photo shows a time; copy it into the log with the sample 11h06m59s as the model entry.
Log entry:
2h53m55s
